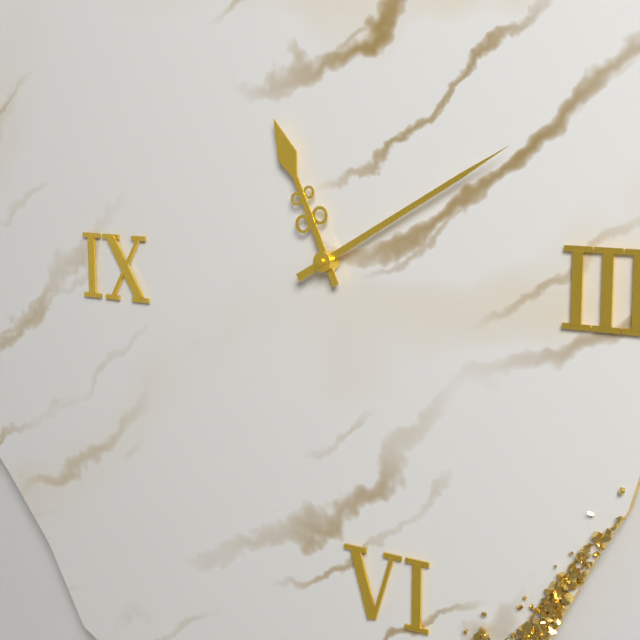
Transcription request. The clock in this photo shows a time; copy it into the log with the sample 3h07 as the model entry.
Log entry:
11h10
